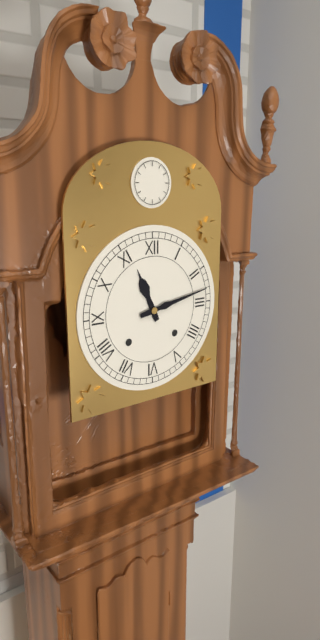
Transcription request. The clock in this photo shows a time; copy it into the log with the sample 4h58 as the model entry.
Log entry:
11h13
